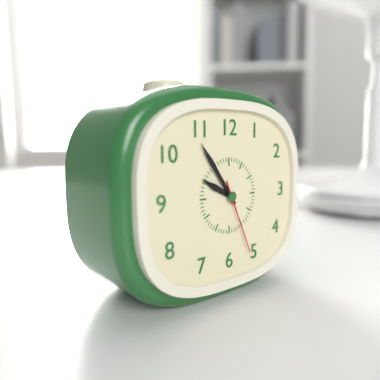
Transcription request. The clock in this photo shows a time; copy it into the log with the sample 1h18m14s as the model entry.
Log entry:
9h54m26s
